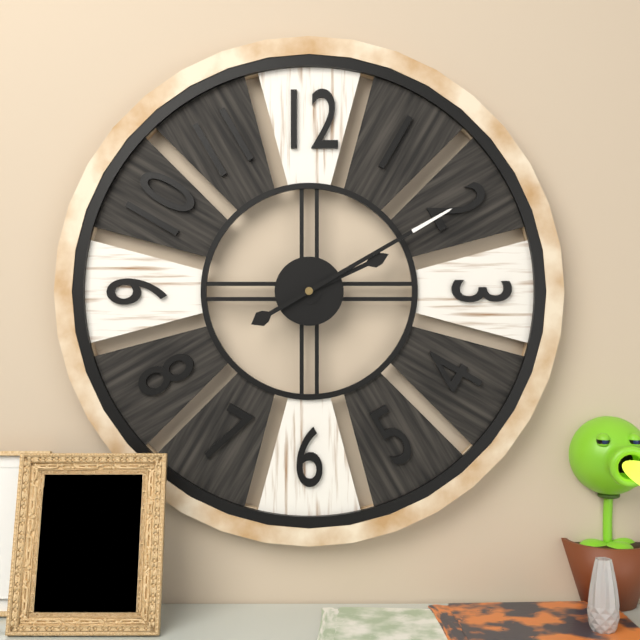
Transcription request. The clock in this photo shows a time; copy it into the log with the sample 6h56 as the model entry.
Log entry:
2h10
